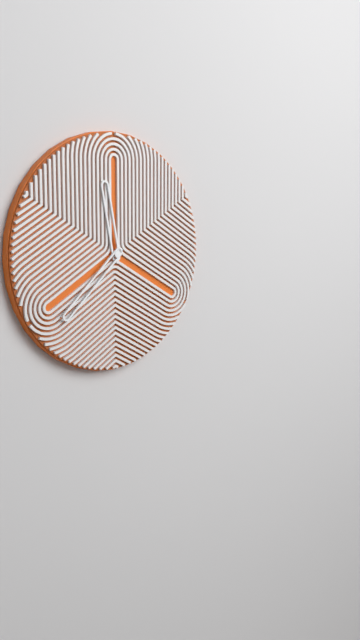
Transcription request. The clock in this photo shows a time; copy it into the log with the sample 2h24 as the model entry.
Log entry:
11h38
